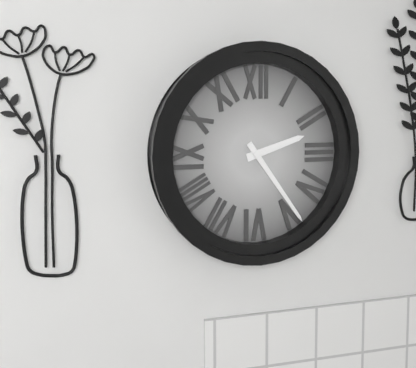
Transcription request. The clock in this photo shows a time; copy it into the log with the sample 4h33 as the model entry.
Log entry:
2h24
